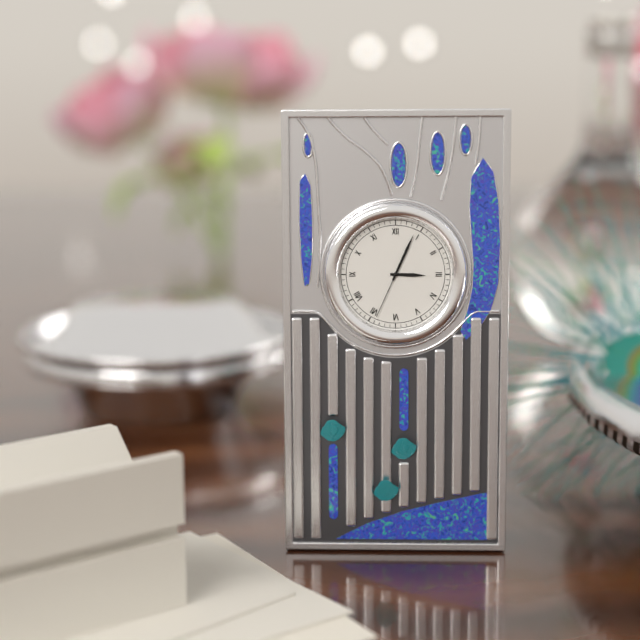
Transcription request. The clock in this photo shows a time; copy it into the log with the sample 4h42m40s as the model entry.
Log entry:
3h04m34s
